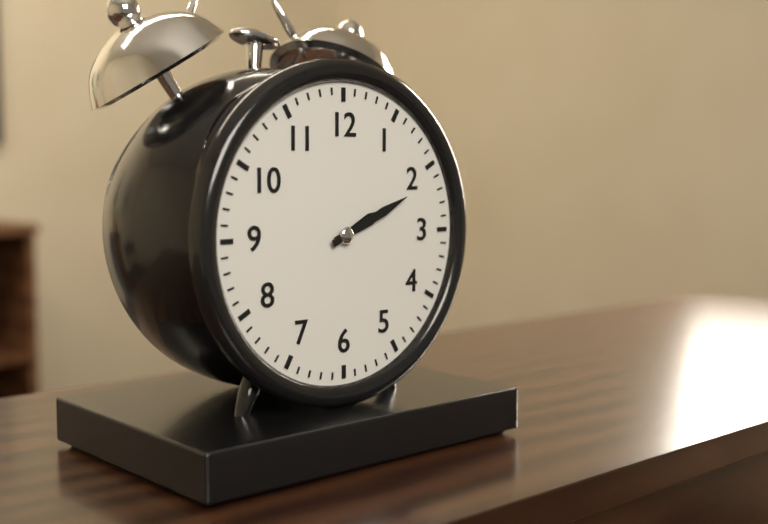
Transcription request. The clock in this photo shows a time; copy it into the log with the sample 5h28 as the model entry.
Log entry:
2h11
